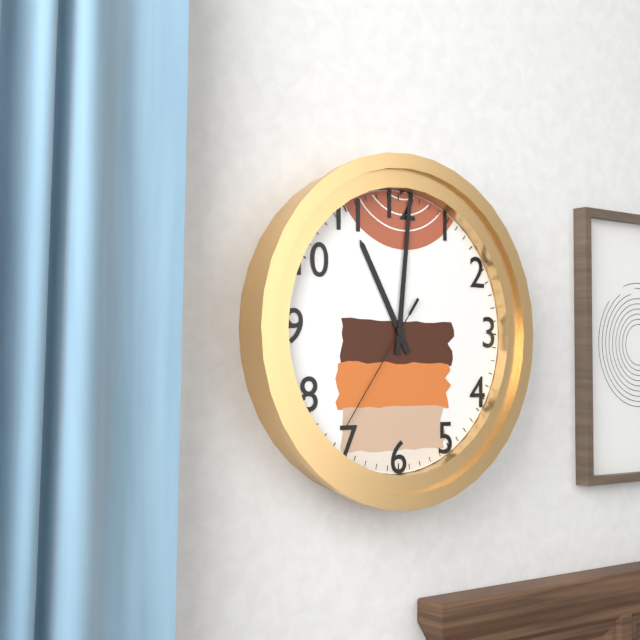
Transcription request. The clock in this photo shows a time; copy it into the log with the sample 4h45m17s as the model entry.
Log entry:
11h01m36s
